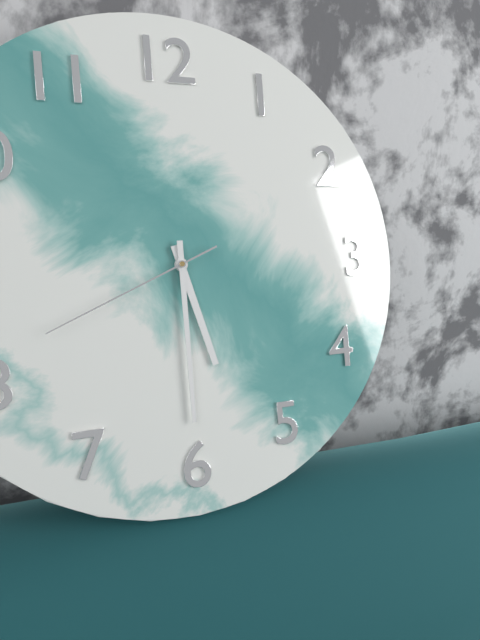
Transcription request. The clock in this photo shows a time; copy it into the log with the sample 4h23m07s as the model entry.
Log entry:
5h30m41s
